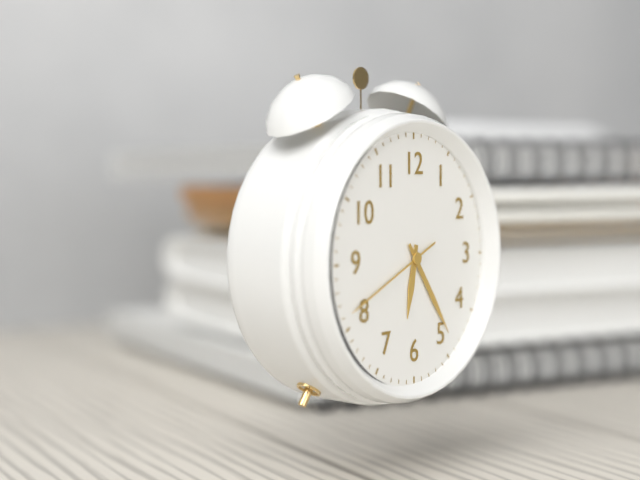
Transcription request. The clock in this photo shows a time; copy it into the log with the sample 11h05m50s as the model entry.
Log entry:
6h24m41s
